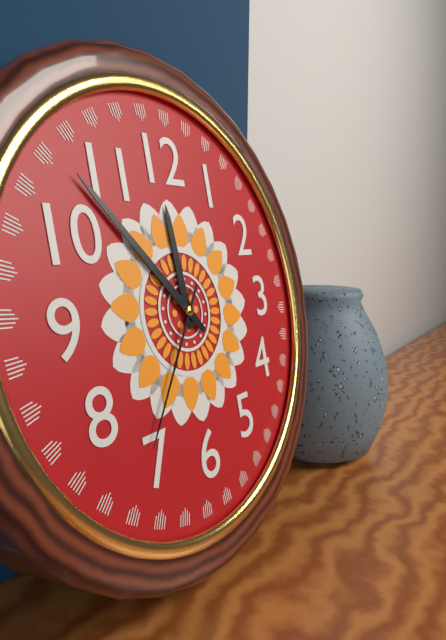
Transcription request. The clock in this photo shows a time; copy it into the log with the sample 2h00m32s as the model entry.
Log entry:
11h53m36s
